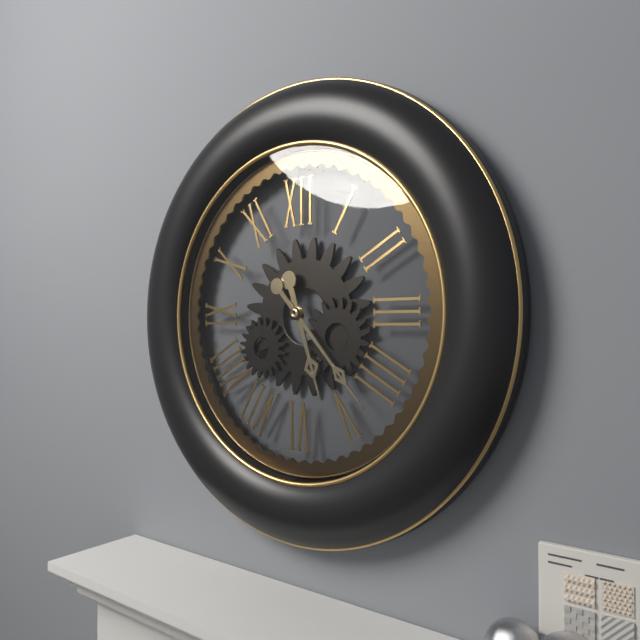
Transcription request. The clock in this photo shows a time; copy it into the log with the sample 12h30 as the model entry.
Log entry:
5h23
